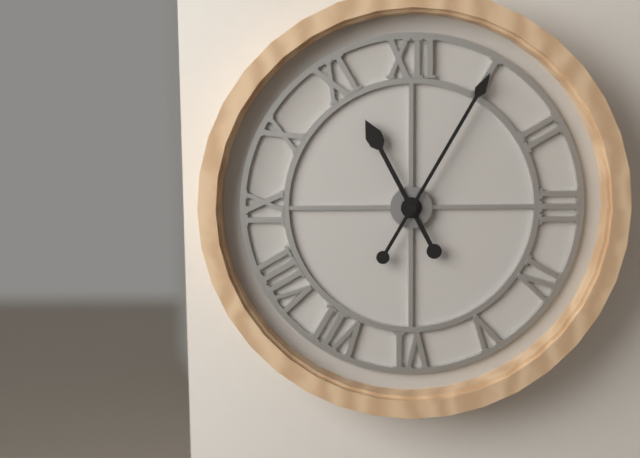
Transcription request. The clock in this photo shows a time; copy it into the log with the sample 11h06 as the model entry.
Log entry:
11h05
